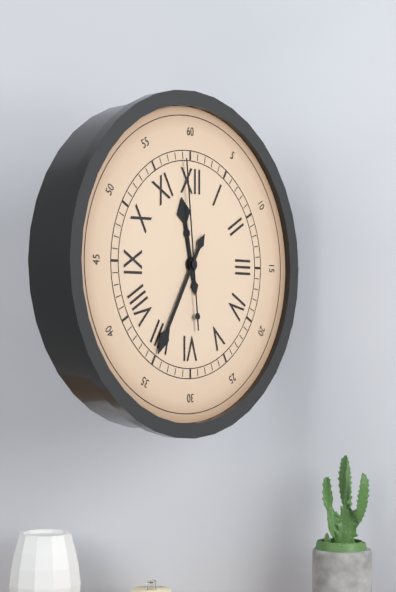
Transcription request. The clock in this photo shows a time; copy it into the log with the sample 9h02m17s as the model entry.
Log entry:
11h35m59s
